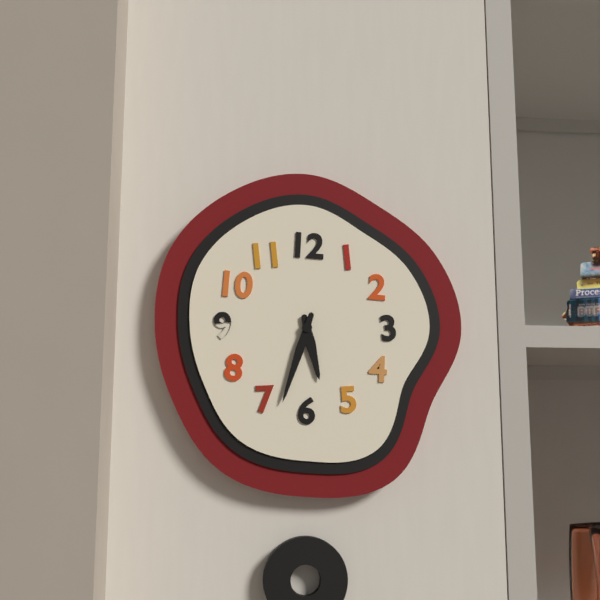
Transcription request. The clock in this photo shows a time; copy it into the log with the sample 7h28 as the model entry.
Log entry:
5h33
